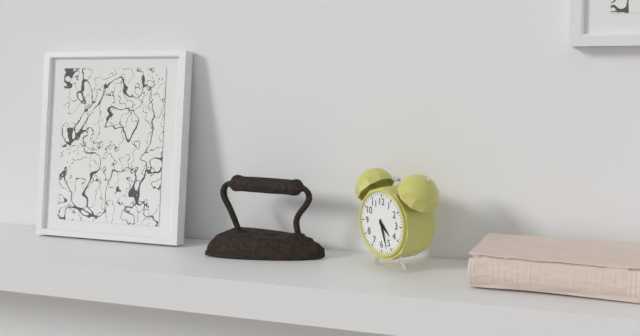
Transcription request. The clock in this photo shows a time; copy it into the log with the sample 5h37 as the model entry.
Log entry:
4h27
